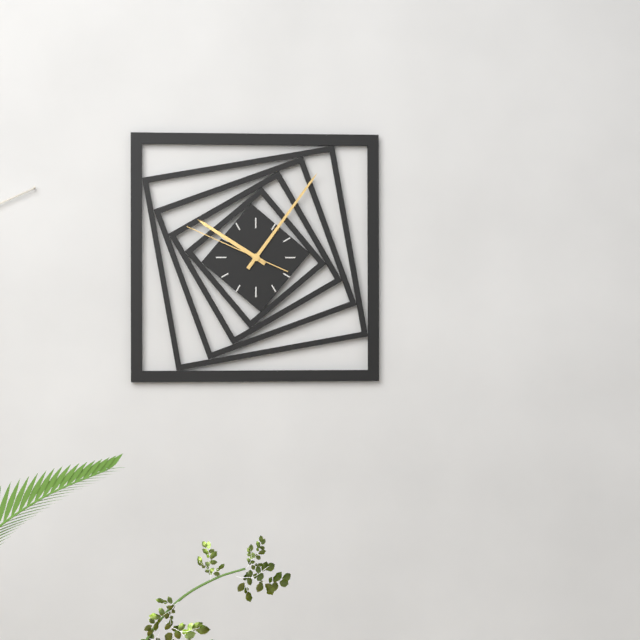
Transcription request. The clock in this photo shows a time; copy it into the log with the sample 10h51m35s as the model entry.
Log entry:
10h06m49s
